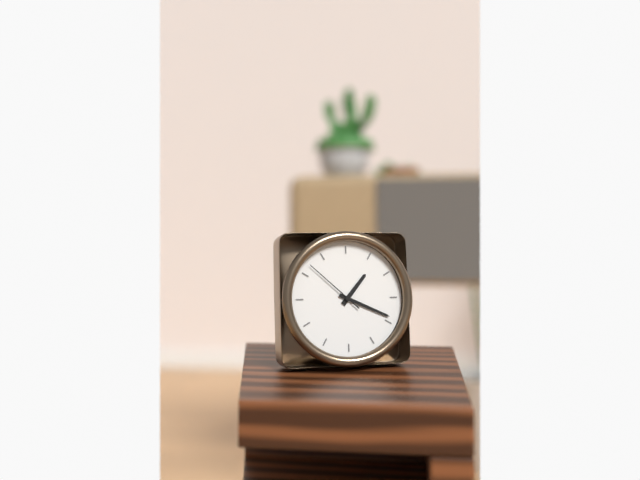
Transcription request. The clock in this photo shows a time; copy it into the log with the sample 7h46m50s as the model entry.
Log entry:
1h19m52s
